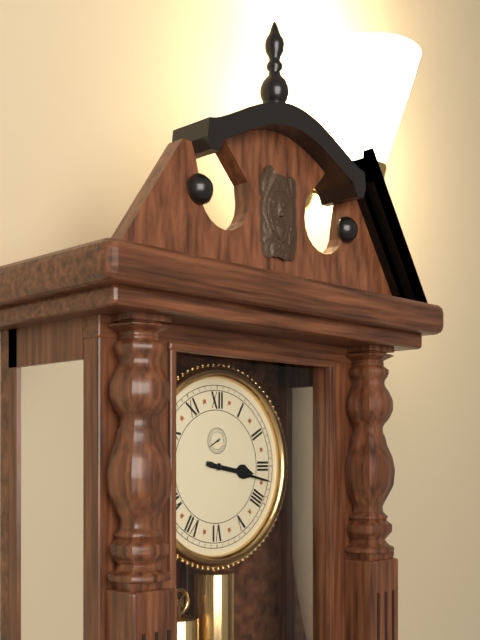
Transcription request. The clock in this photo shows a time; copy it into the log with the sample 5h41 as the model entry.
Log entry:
3h17
